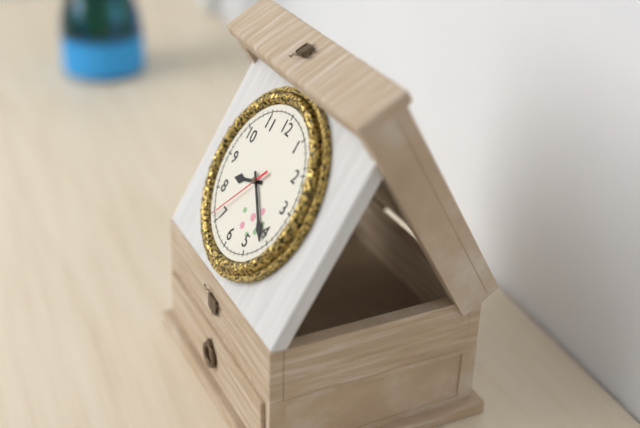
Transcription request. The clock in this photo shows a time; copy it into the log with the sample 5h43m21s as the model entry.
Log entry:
8h21m36s
